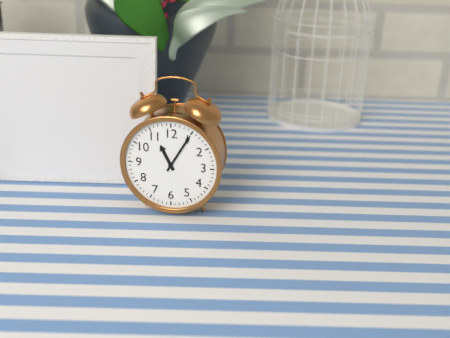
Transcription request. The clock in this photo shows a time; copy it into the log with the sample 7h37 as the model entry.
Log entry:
11h05
